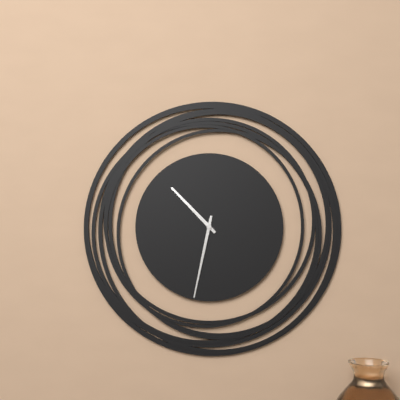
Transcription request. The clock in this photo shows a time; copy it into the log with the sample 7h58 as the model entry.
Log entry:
10h32
